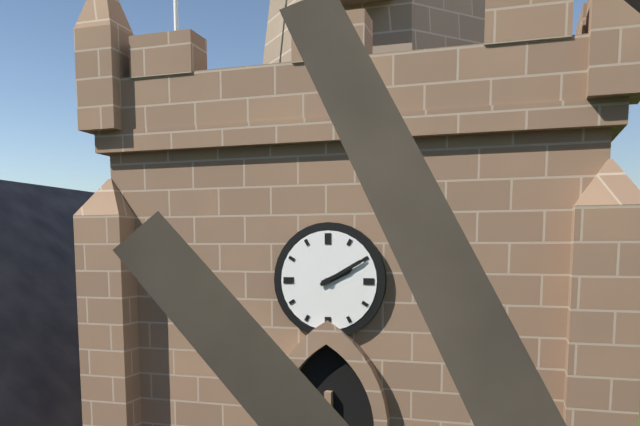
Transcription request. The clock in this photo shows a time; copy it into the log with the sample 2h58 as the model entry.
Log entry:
2h10
